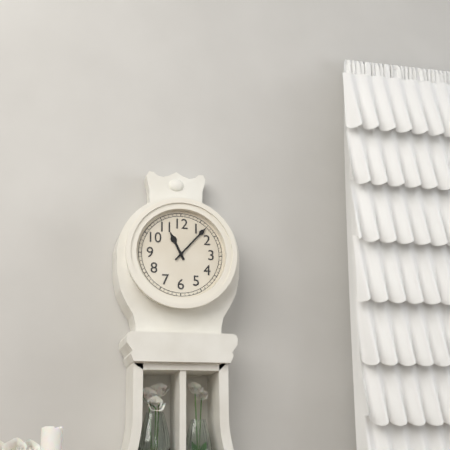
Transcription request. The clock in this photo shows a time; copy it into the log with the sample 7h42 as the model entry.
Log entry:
11h07
